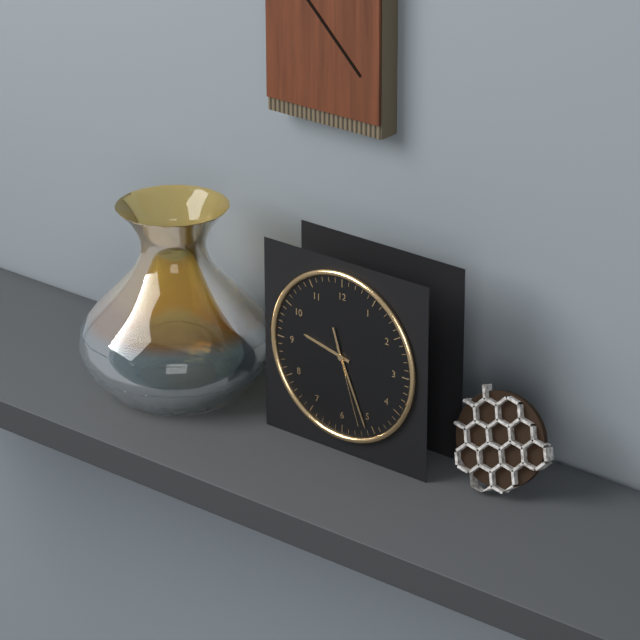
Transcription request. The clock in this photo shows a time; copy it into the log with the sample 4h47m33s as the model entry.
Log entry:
9h26m27s
